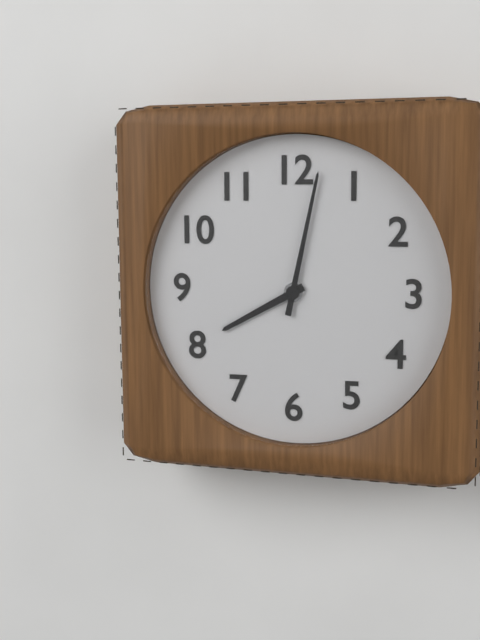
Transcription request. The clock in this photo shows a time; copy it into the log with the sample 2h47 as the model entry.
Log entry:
8h02
